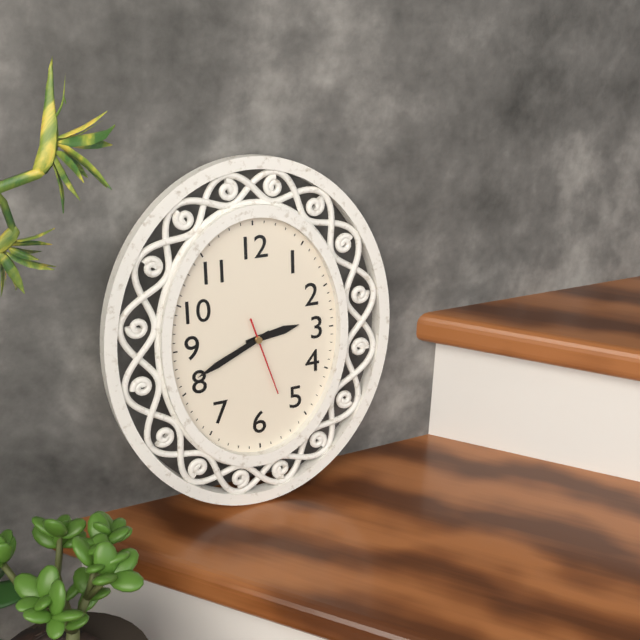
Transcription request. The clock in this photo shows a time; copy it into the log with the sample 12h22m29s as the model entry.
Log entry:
2h41m27s
